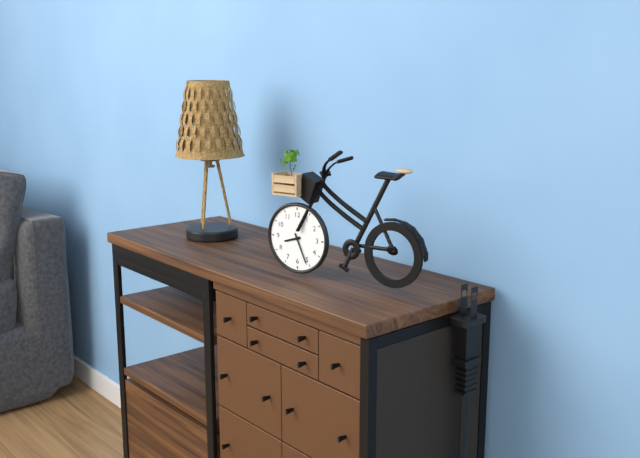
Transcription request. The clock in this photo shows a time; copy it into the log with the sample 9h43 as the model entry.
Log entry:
8h26
